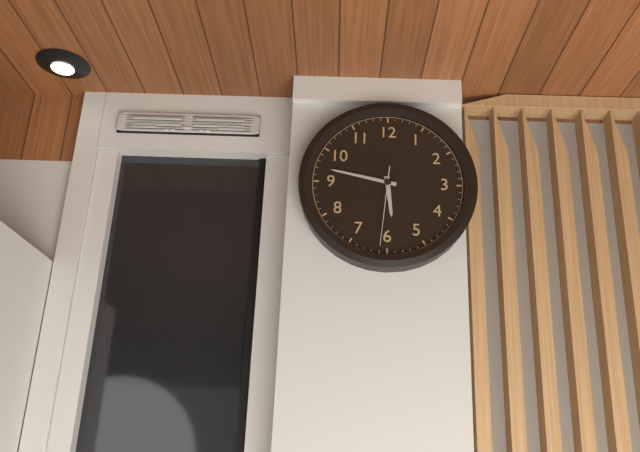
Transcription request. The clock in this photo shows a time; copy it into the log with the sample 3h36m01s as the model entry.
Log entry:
5h47m31s
